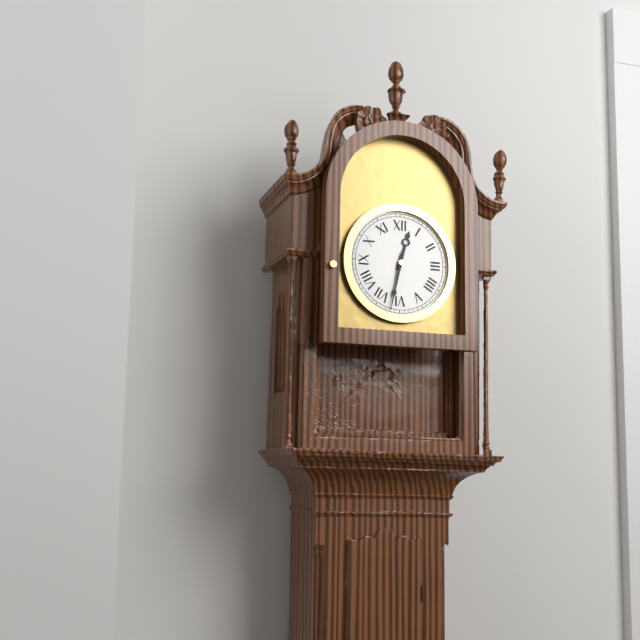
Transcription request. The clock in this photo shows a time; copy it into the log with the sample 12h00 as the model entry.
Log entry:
12h32
